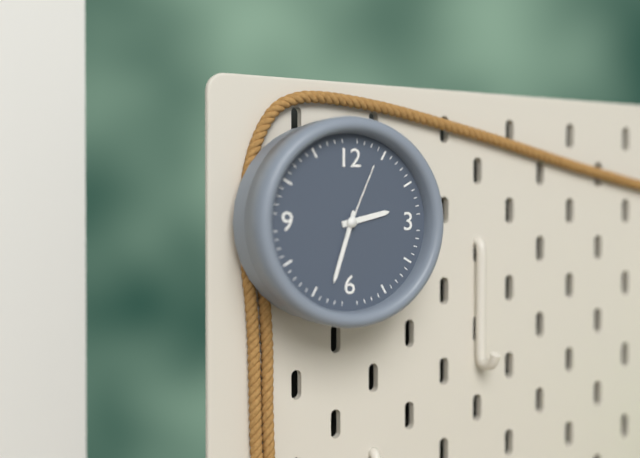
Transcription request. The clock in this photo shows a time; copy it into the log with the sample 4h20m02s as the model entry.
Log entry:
2h33m04s
